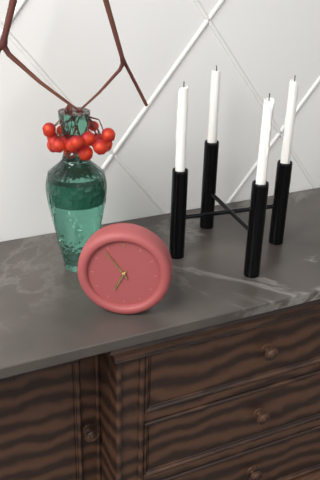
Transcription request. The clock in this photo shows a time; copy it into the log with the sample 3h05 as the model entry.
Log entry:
6h54
